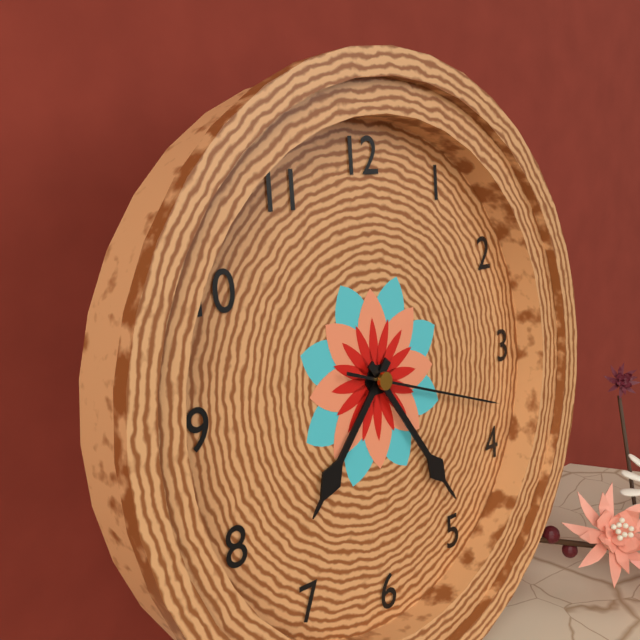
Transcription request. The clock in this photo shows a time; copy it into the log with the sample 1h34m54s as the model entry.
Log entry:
7h24m18s
